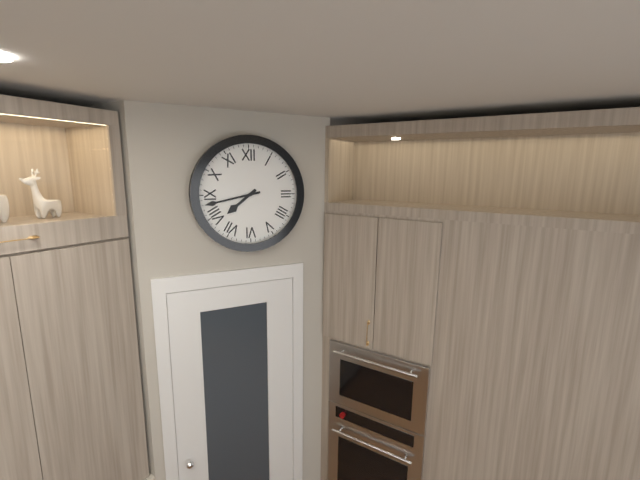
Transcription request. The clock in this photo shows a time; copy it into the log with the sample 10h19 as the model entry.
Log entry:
7h43
